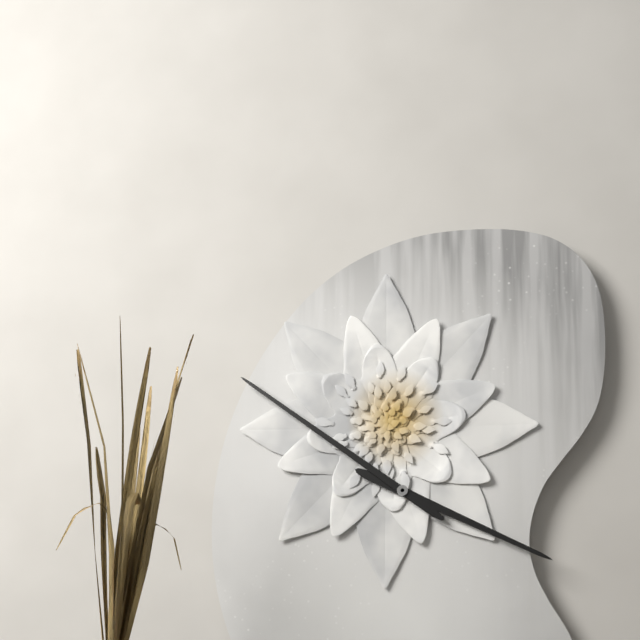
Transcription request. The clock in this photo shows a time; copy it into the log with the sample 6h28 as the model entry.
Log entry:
3h51
